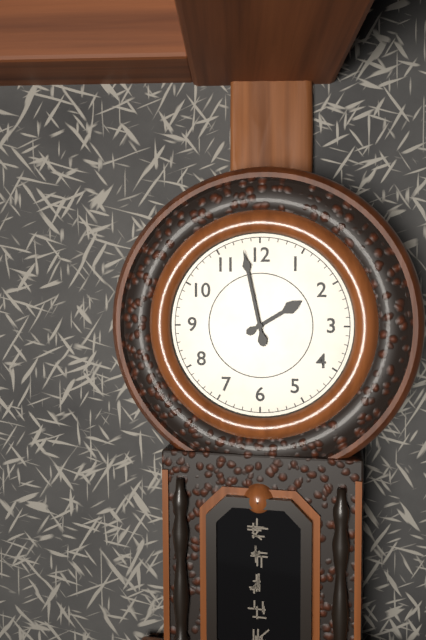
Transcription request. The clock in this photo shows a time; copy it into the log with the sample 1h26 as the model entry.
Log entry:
1h58
